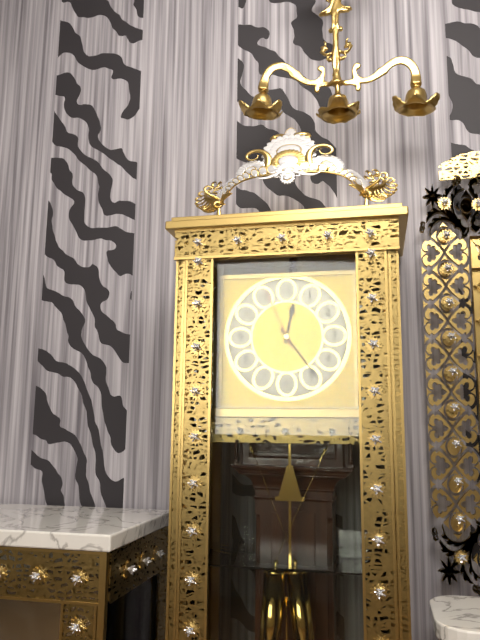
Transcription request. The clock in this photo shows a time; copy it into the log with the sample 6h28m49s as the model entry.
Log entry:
12h24m56s
